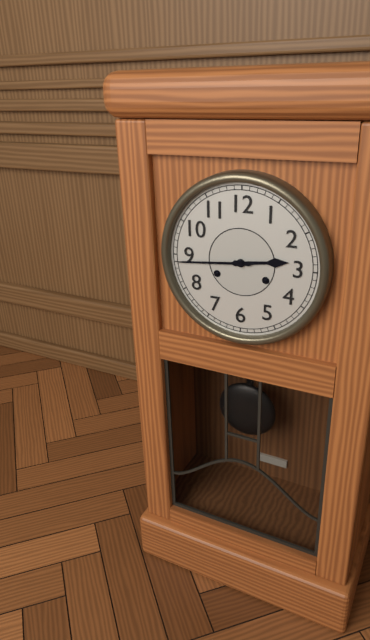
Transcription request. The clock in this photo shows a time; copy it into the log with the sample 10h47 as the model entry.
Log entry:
2h44
